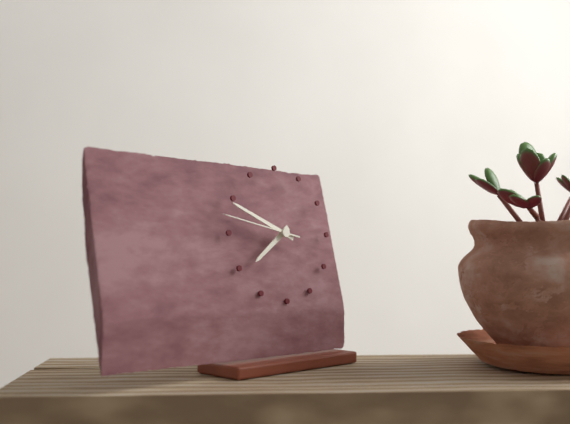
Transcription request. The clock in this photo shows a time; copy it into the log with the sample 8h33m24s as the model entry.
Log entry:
7h49m47s
